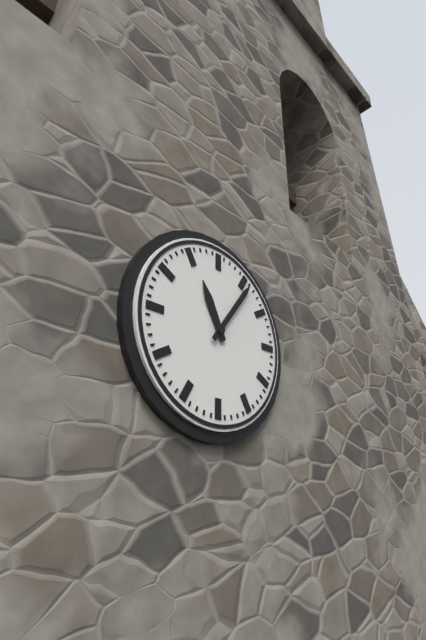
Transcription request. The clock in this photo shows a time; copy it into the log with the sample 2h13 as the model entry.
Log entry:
11h06
